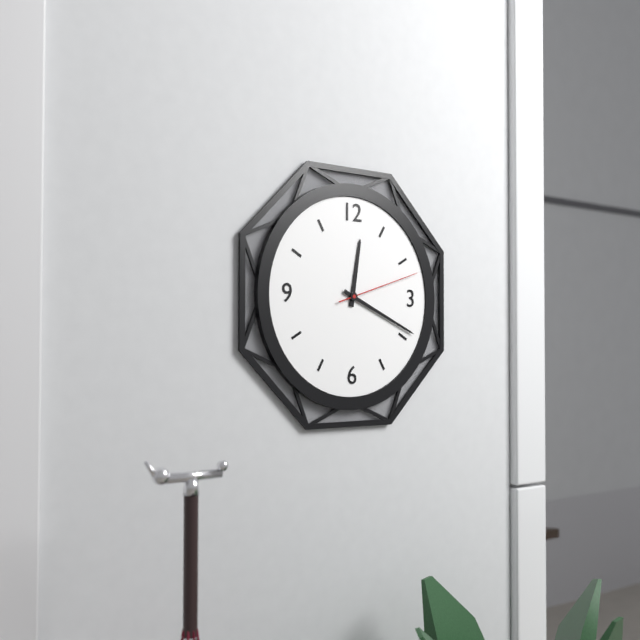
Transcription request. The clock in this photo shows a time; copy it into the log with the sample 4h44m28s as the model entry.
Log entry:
12h19m12s
